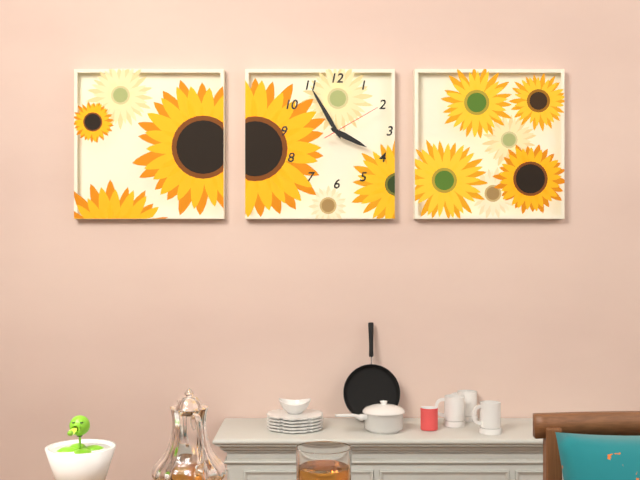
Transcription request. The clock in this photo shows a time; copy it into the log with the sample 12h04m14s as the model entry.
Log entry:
3h55m10s
